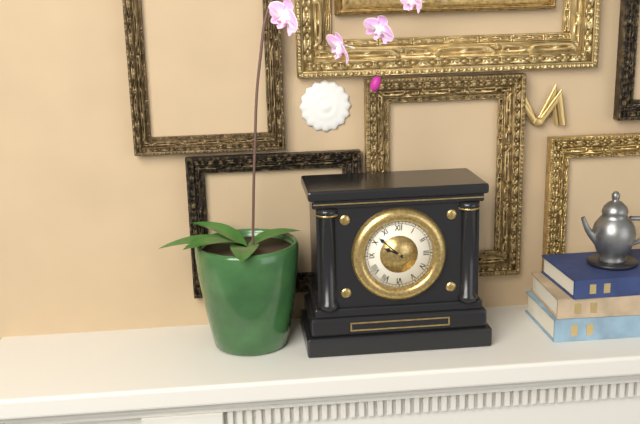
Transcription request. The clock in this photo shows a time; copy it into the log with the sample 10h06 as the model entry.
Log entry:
9h52
